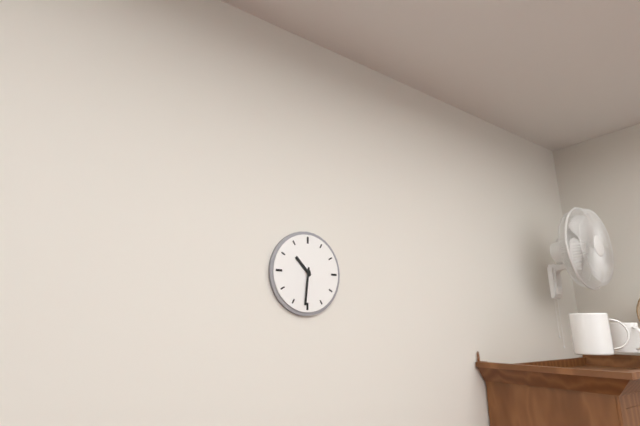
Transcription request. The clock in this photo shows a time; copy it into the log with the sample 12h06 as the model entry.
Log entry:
10h31
